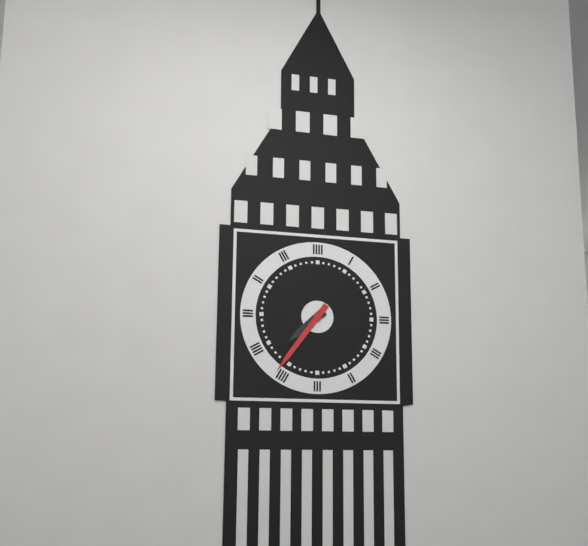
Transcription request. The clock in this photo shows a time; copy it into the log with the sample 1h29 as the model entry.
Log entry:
7h36
